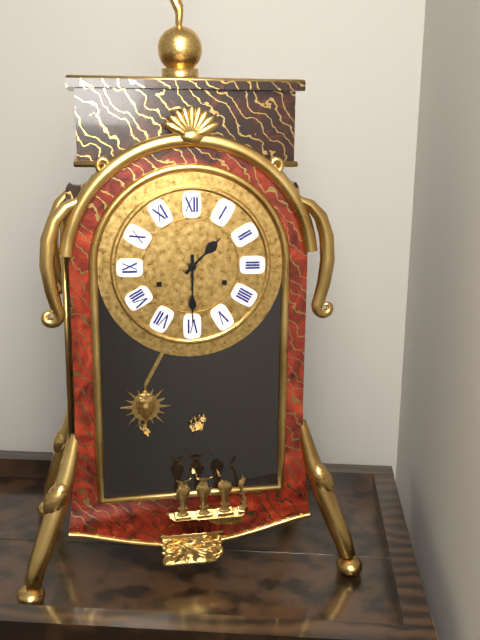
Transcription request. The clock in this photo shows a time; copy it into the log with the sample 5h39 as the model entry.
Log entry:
1h30
